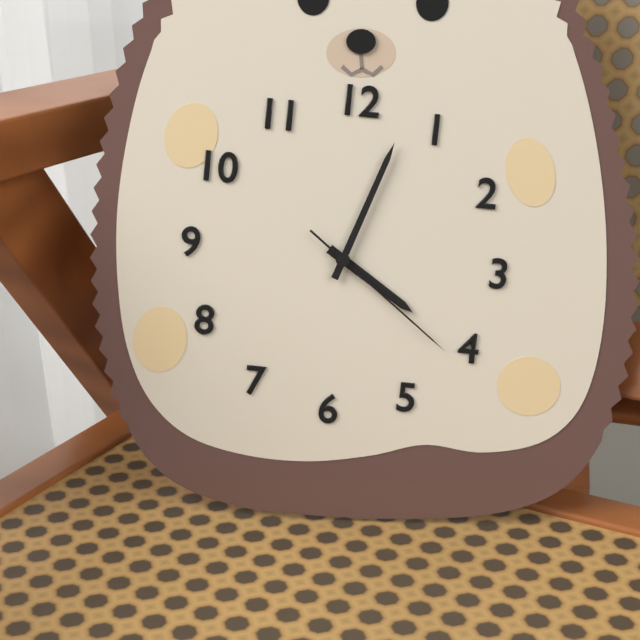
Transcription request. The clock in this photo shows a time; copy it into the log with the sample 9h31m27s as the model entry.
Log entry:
4h03m21s
